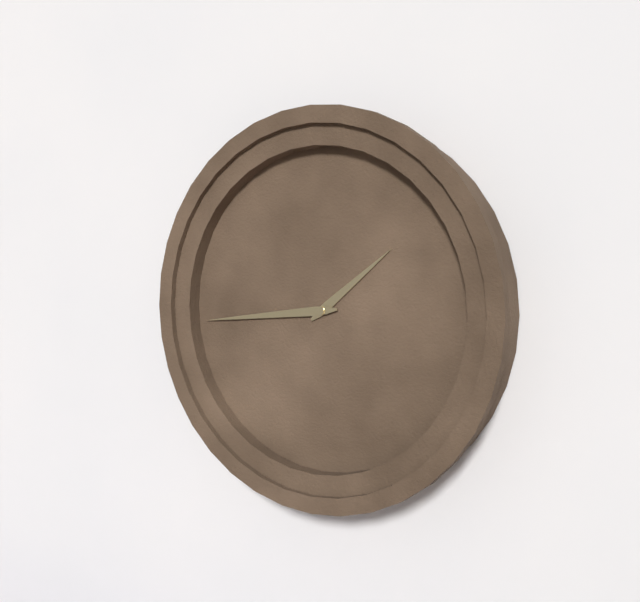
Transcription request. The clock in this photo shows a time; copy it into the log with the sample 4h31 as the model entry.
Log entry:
1h44
